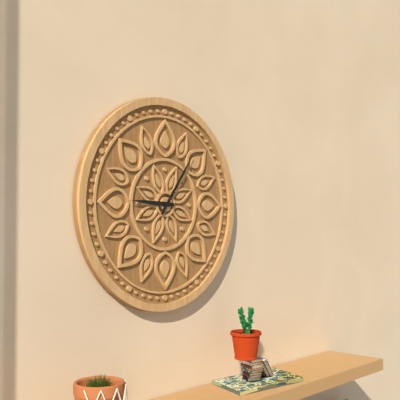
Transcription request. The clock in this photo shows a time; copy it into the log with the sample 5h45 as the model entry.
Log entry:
9h06
